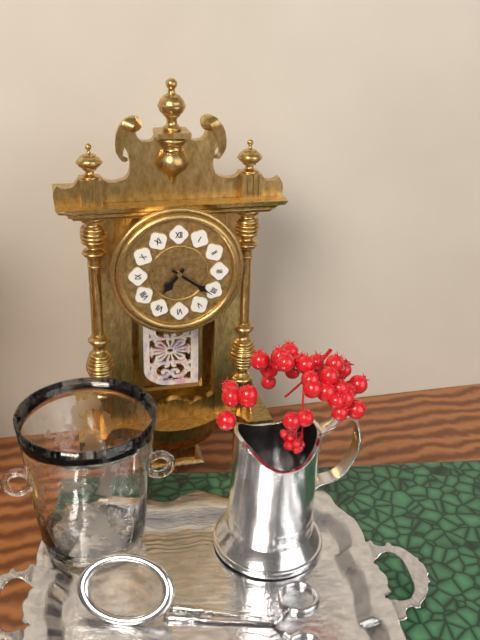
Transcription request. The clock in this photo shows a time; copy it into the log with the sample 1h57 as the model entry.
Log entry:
7h21
